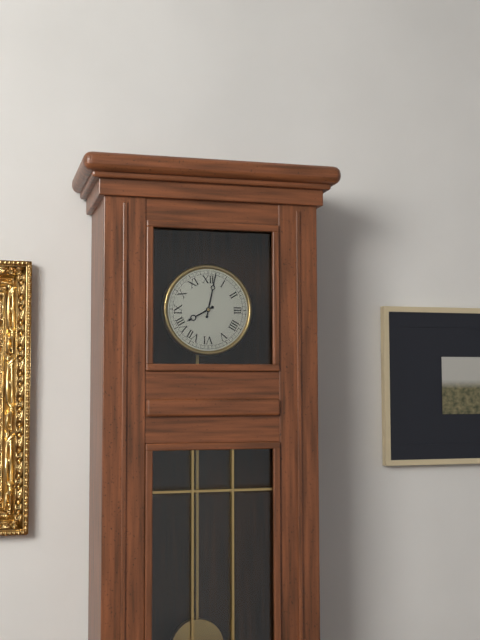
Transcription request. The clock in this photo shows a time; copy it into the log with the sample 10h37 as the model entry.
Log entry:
8h02
